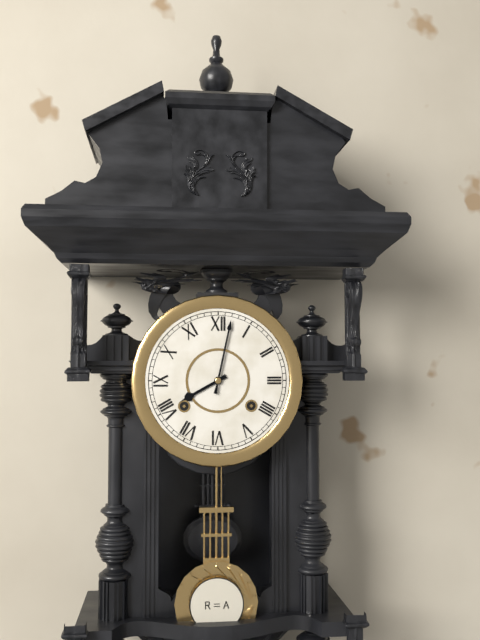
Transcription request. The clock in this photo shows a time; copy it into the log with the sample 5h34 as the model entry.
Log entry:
8h02
